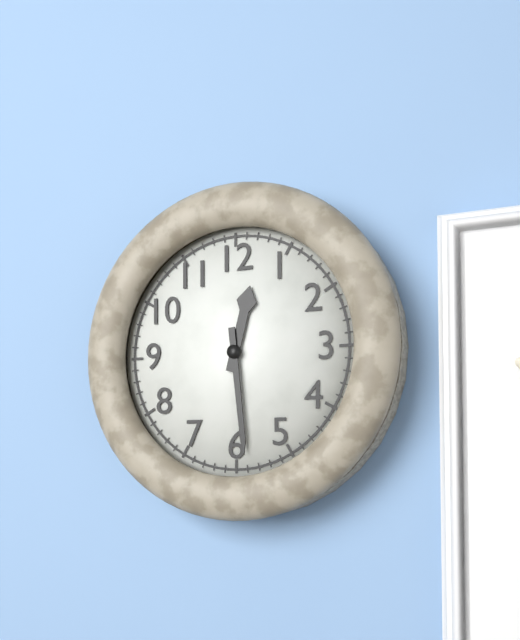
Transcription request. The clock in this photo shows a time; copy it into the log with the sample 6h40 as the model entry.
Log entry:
12h29
